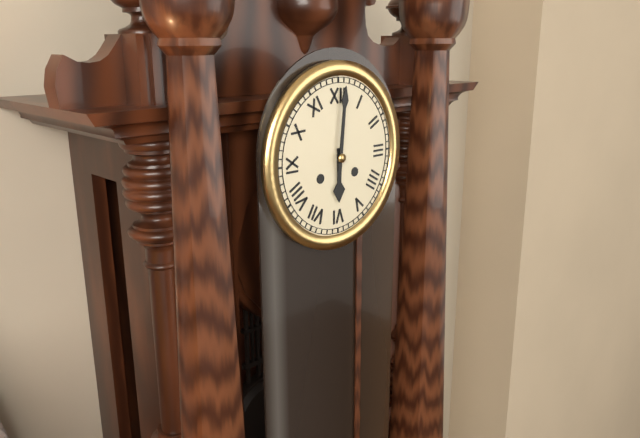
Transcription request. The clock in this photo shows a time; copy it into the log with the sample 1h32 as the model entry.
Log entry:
6h01
